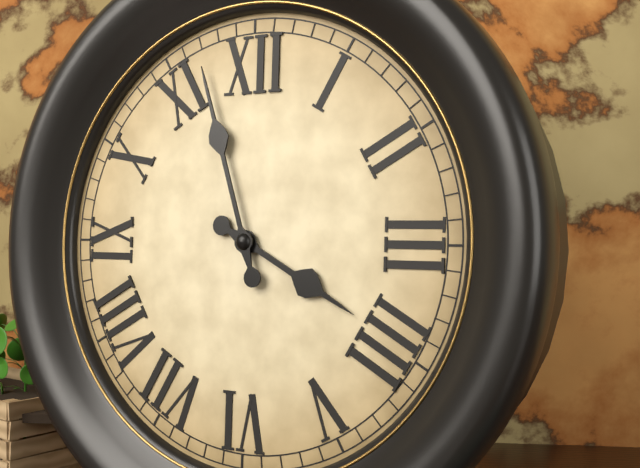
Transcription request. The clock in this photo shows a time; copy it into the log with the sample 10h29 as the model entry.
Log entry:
3h57
